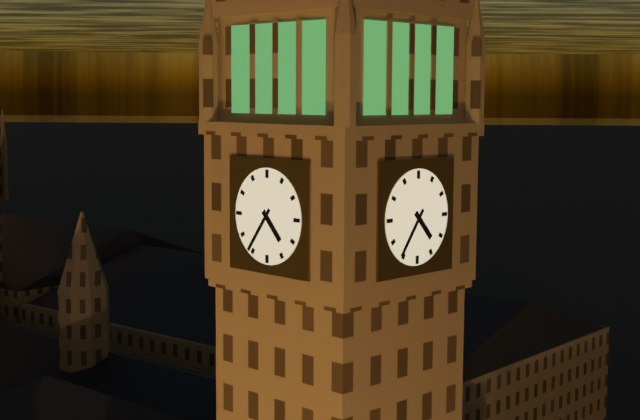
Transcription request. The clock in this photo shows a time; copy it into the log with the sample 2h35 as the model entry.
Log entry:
4h36
